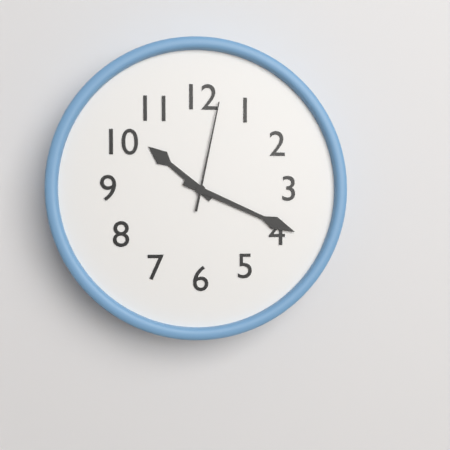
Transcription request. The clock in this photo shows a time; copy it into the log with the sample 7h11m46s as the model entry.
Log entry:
10h19m02s
